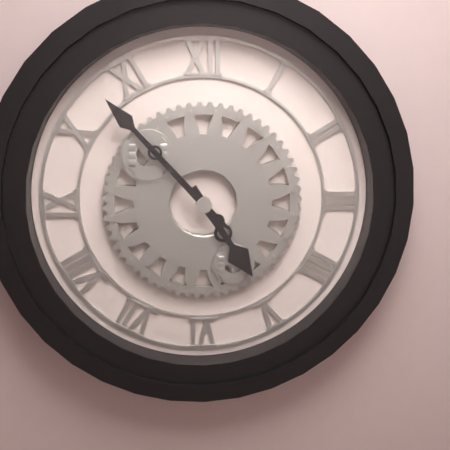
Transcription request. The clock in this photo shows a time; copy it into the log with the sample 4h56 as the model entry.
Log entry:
4h53
